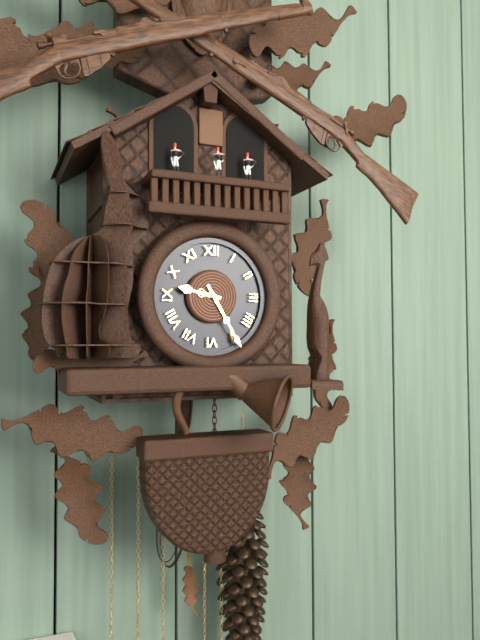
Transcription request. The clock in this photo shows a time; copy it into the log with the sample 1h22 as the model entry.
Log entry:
9h25
